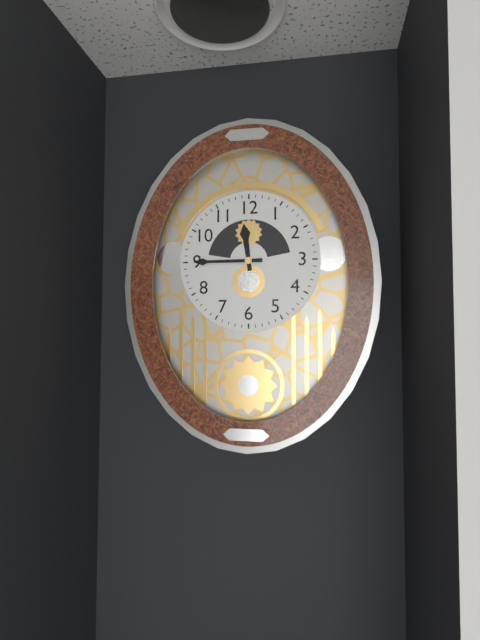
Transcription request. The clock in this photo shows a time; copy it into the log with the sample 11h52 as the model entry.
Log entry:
11h45
